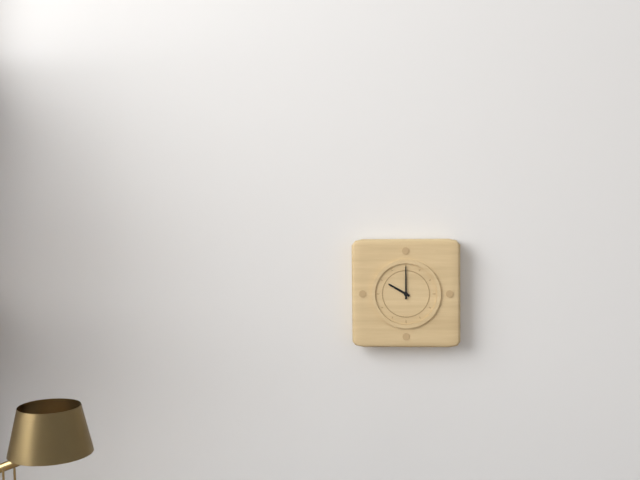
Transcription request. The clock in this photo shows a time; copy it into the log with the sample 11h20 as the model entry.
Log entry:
10h00
